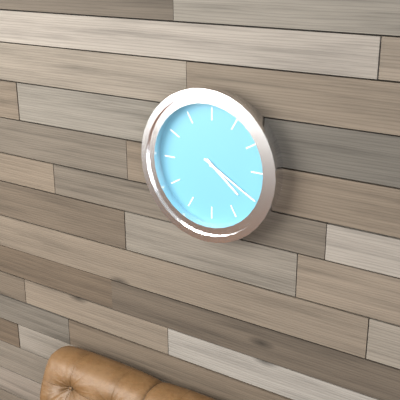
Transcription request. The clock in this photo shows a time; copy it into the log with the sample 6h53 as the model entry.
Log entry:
4h20
